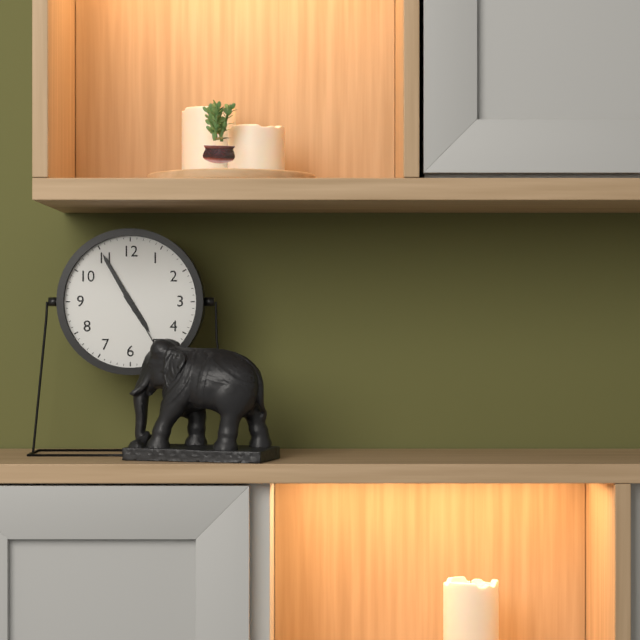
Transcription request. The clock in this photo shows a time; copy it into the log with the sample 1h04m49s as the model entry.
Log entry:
4h55m25s
